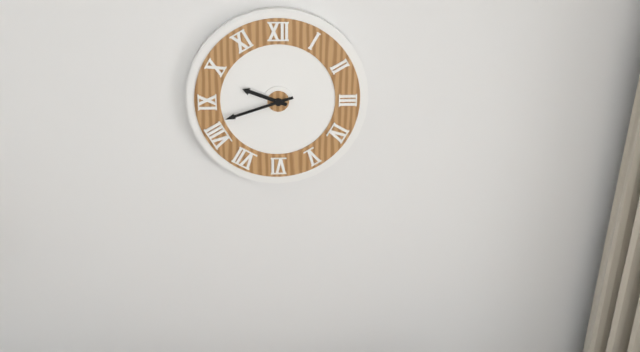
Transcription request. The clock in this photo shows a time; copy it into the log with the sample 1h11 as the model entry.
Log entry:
9h42
